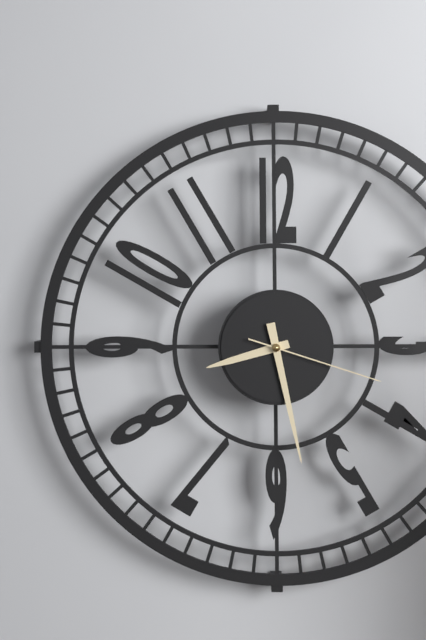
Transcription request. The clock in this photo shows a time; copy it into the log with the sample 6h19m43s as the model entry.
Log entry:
8h28m18s
